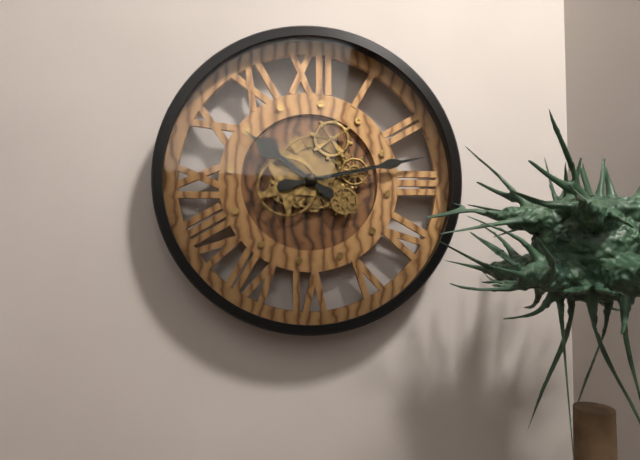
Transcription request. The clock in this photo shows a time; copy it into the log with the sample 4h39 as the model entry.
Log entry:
10h13
